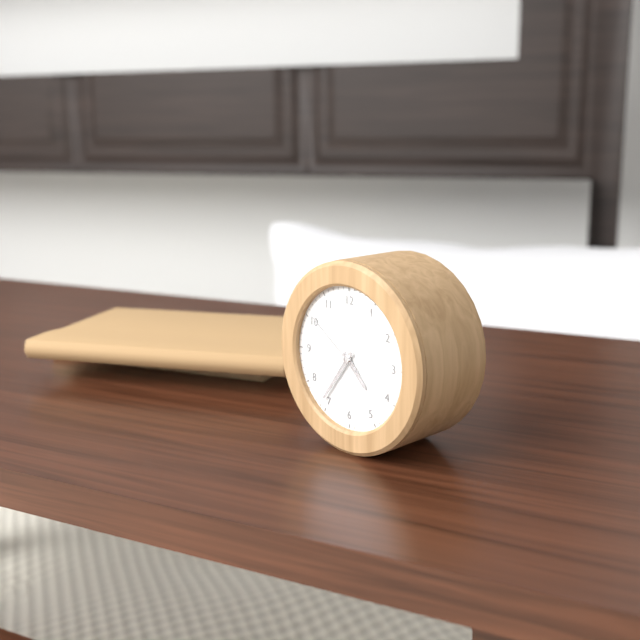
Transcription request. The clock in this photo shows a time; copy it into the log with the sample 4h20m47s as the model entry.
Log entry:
4h36m51s
